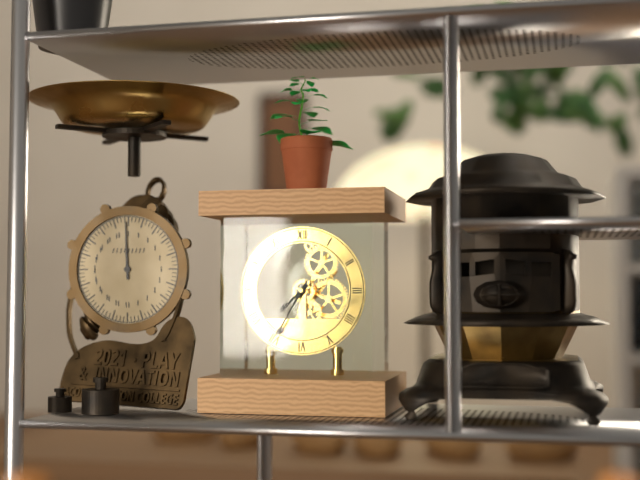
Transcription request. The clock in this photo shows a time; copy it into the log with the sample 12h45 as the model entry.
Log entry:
7h35
